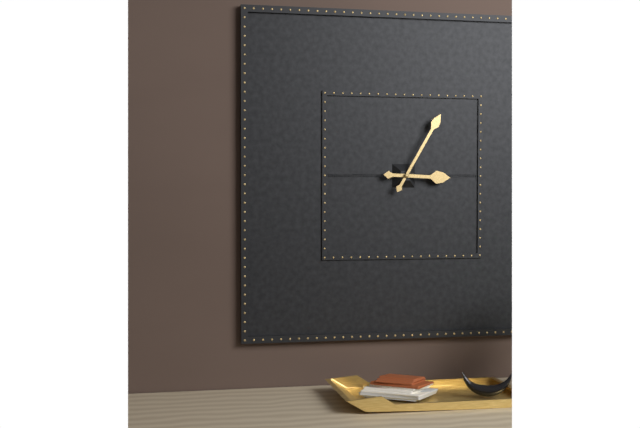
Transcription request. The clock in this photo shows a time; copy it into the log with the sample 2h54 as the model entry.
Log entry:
3h05
